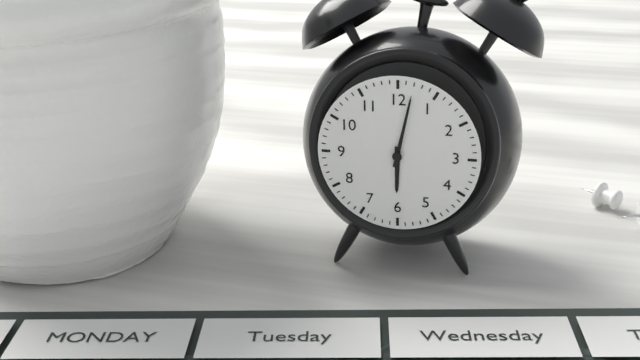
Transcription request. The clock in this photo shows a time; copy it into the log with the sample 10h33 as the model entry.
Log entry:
6h02
